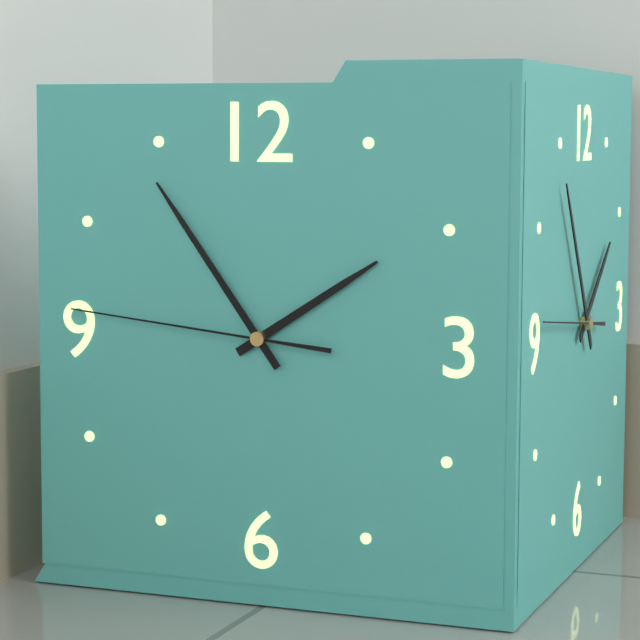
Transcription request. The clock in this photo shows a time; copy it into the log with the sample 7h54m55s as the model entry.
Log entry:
1h54m46s
